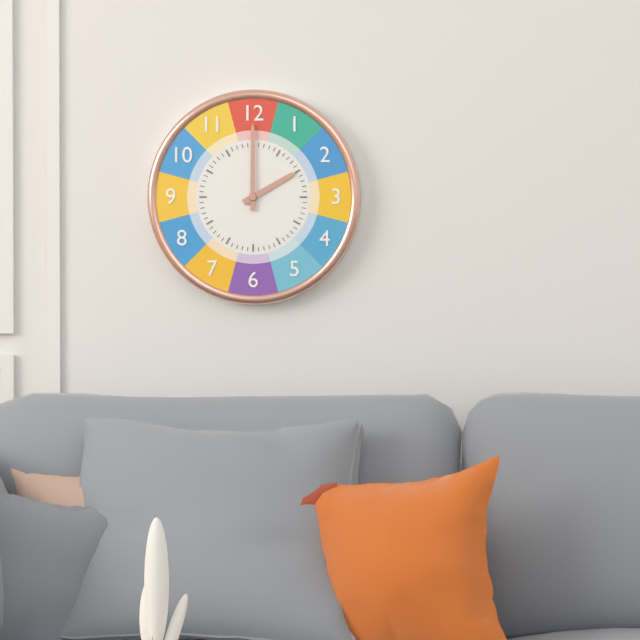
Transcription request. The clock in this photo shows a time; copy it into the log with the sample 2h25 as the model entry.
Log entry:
2h00
